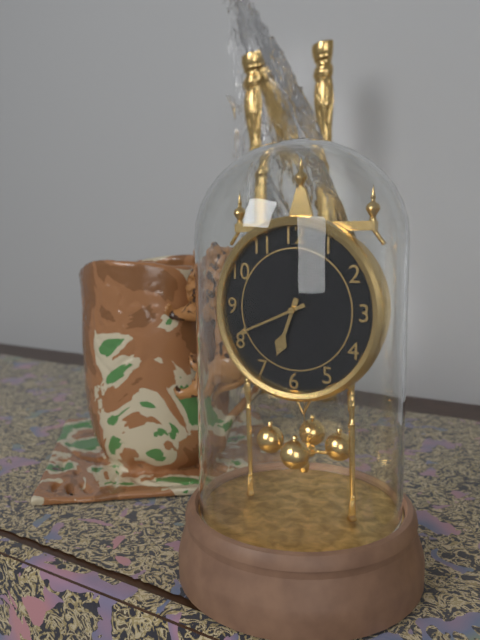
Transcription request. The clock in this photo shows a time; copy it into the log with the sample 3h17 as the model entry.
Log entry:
6h41
